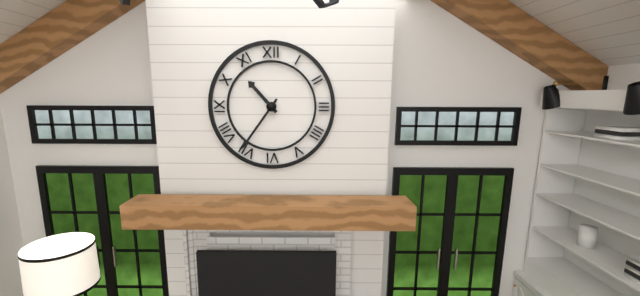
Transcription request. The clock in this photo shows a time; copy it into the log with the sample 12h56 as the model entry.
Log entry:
10h36
